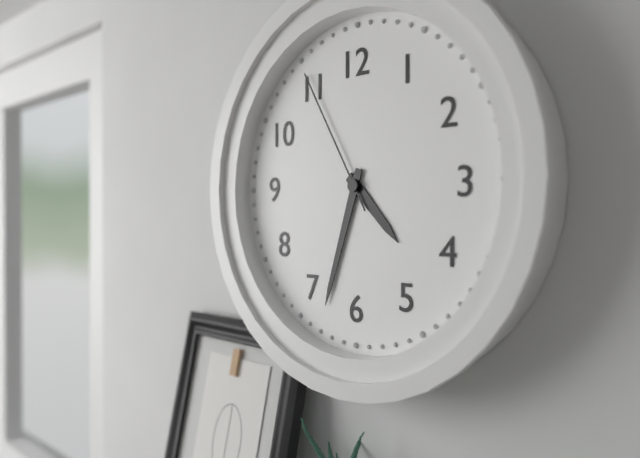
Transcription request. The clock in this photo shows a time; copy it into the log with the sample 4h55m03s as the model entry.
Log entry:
4h33m55s
